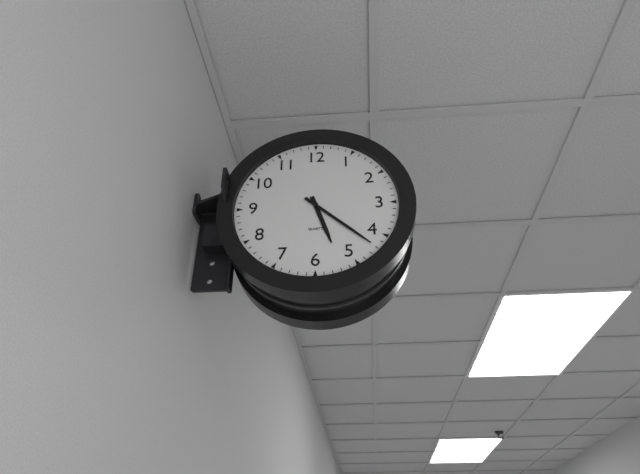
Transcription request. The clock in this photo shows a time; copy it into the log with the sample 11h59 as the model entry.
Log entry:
5h22
